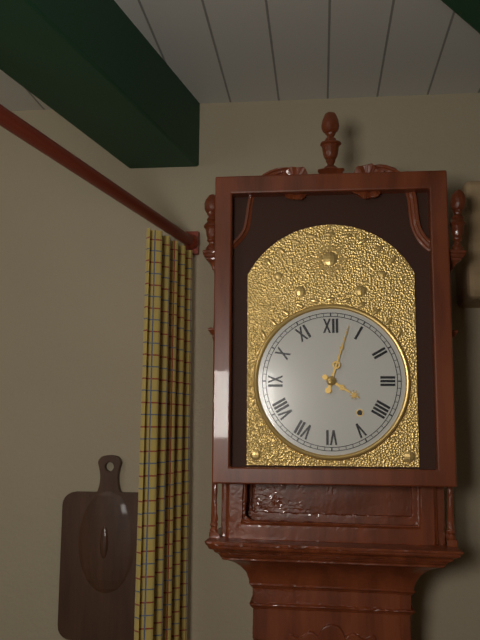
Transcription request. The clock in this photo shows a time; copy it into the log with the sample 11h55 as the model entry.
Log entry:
4h03
